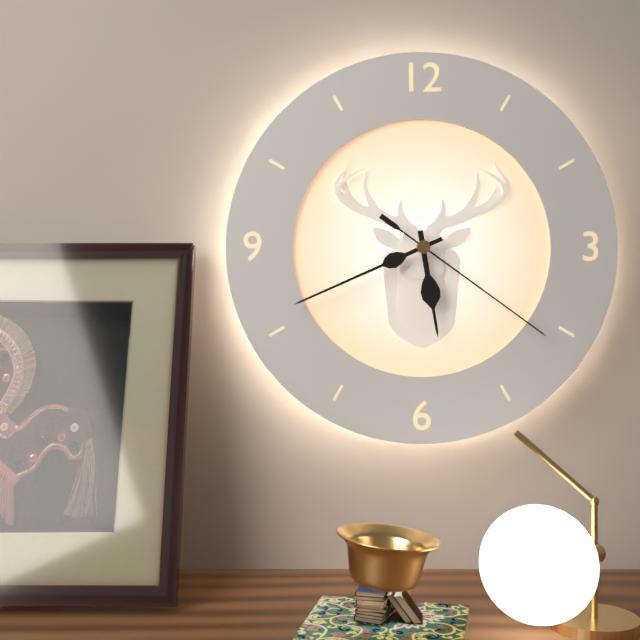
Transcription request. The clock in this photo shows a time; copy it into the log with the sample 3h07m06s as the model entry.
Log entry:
5h41m21s
